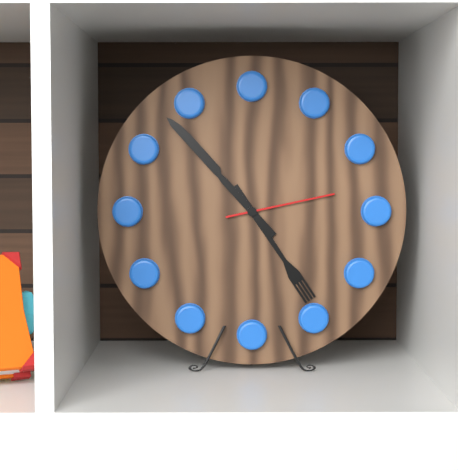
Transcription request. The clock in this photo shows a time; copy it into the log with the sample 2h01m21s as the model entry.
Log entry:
4h53m13s
